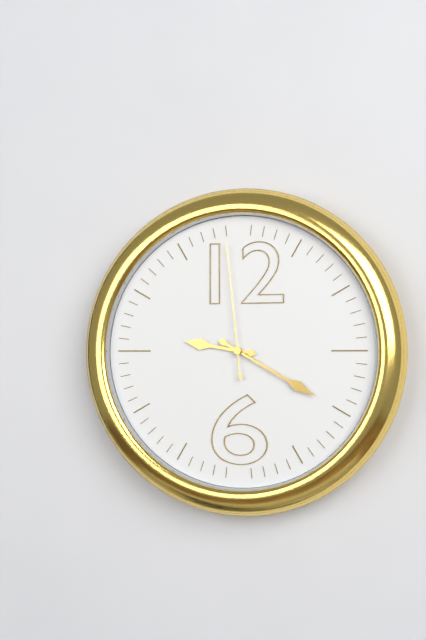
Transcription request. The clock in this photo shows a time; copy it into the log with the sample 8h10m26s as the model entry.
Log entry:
9h20m59s
